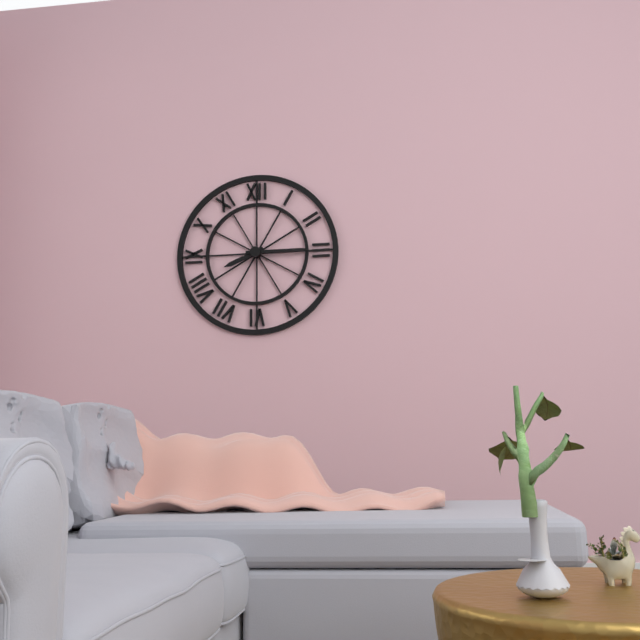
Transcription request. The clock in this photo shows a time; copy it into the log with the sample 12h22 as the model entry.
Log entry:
8h15
